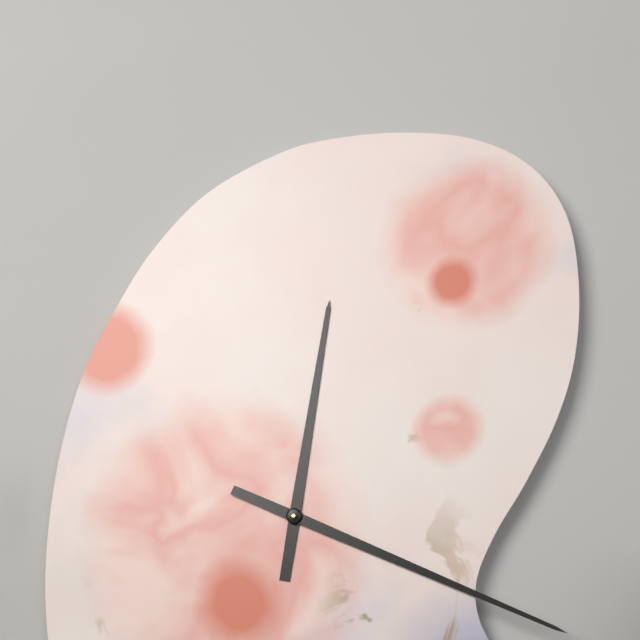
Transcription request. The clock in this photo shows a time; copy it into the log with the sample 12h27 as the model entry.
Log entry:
12h19
